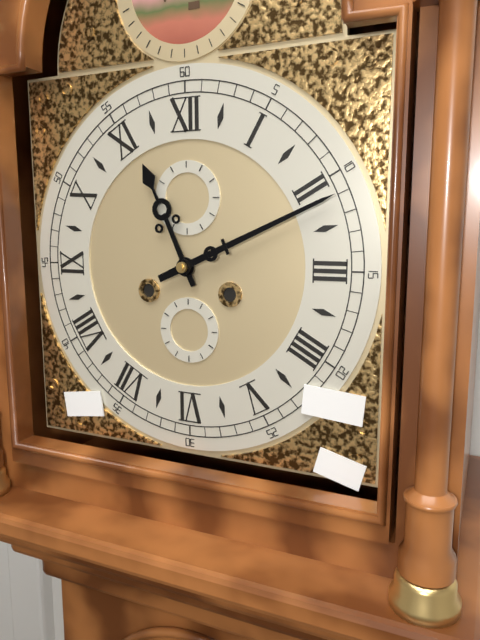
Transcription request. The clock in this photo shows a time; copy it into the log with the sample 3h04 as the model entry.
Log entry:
11h11
